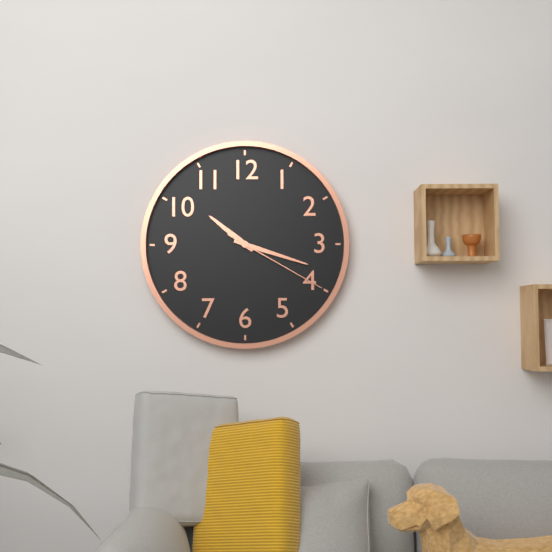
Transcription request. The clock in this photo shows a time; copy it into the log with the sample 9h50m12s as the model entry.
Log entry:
10h18m20s
